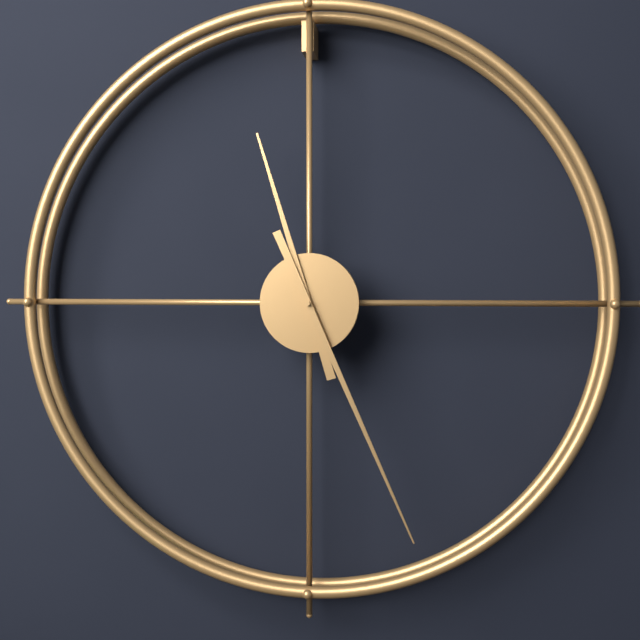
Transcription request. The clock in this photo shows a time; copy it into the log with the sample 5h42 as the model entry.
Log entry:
11h26
